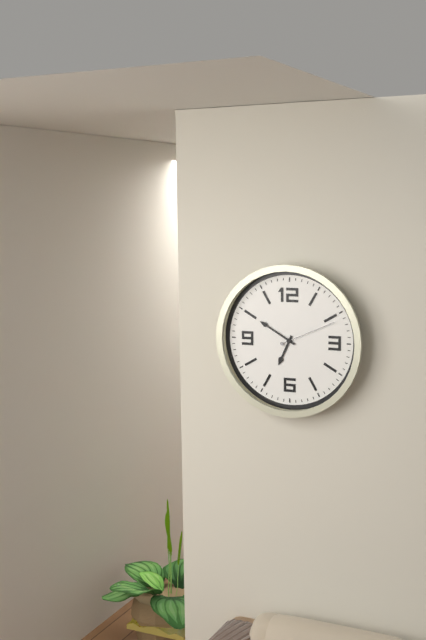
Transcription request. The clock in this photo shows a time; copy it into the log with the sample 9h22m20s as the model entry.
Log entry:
6h50m11s
